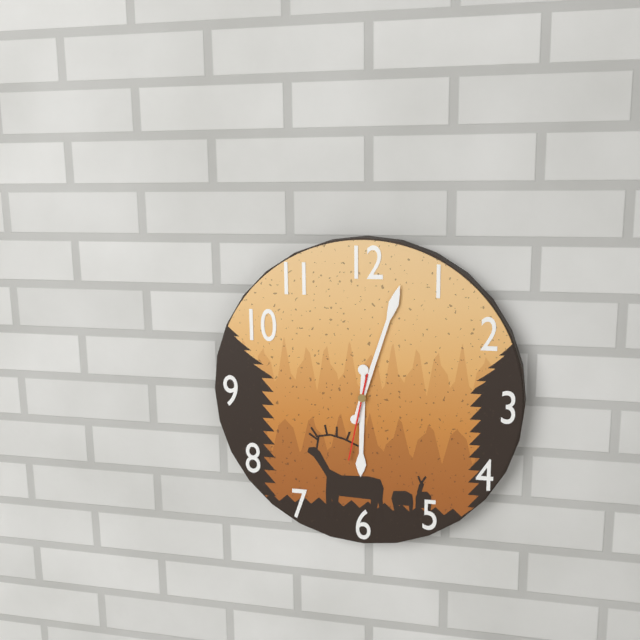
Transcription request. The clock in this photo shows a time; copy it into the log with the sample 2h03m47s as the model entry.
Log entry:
6h03m32s
